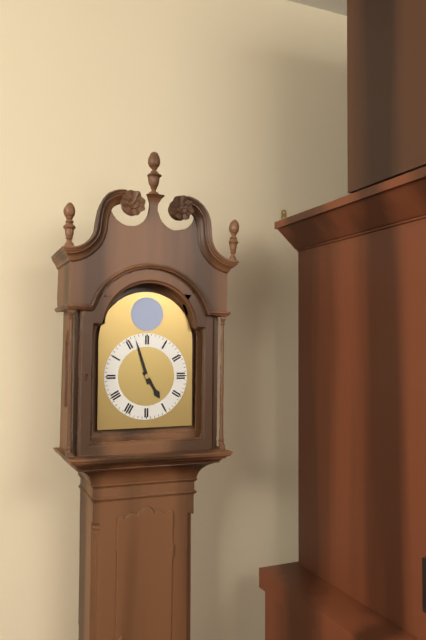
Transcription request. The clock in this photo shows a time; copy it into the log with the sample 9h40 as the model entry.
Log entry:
4h57
